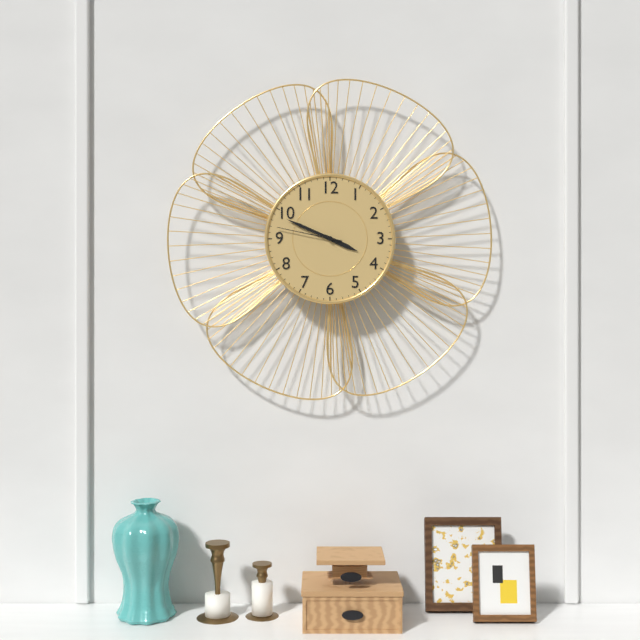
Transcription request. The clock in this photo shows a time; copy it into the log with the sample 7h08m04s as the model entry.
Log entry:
3h49m47s
